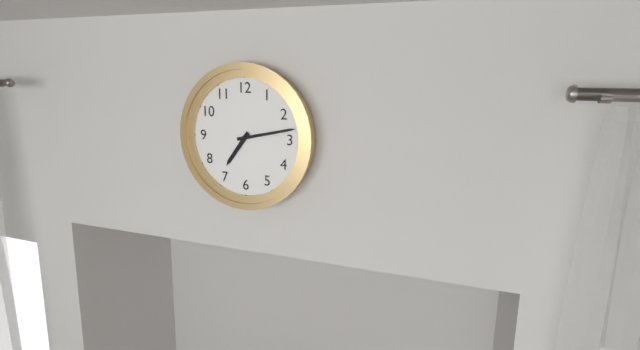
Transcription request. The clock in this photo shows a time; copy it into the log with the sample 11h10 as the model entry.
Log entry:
7h13
